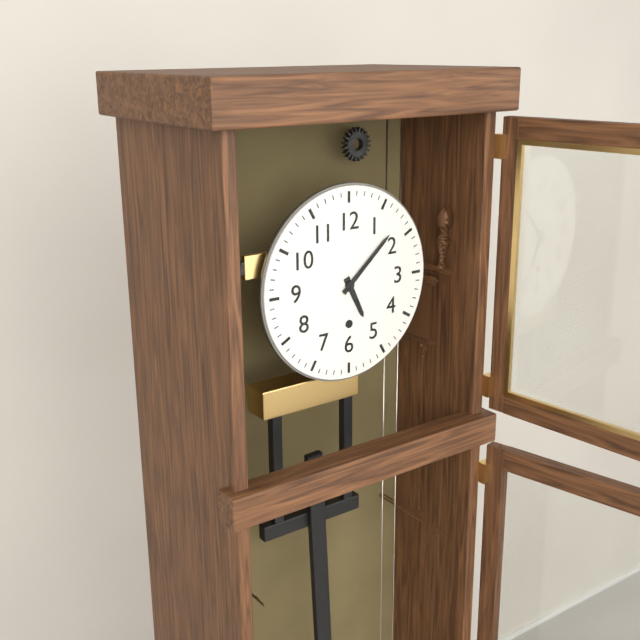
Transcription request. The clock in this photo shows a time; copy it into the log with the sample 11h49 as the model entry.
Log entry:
5h08
